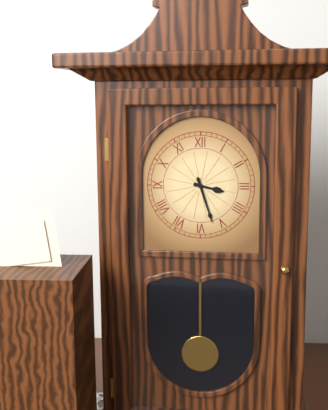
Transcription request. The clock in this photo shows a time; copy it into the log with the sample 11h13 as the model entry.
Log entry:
3h27
